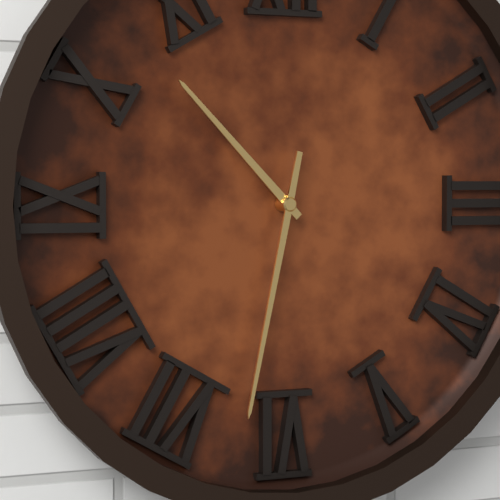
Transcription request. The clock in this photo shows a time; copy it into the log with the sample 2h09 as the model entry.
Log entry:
10h32
